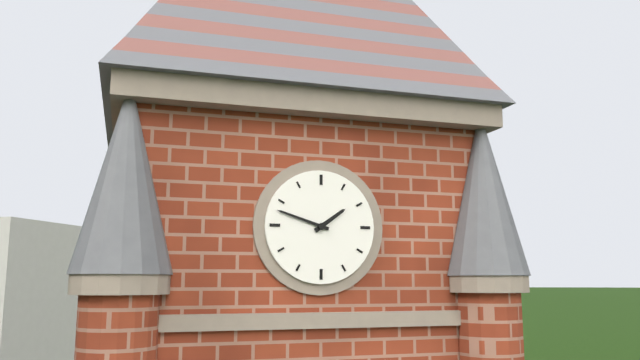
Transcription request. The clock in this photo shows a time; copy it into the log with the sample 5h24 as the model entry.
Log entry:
1h48
